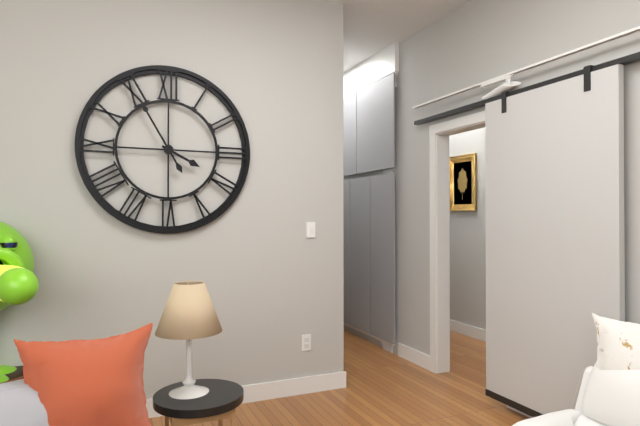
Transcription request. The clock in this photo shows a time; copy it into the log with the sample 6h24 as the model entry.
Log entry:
3h55
